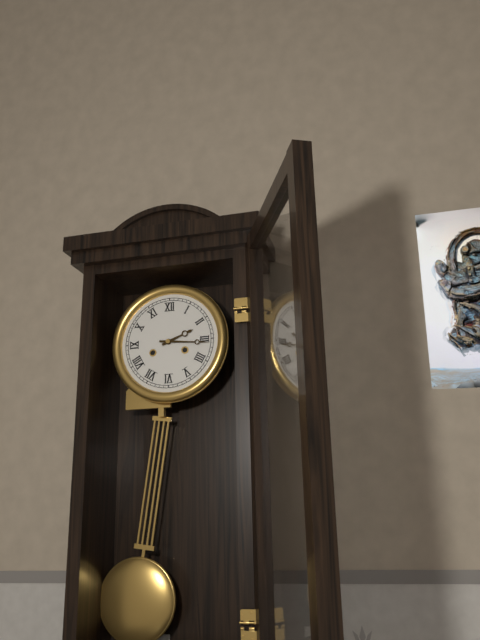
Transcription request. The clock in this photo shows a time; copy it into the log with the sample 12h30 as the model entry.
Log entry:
2h16
